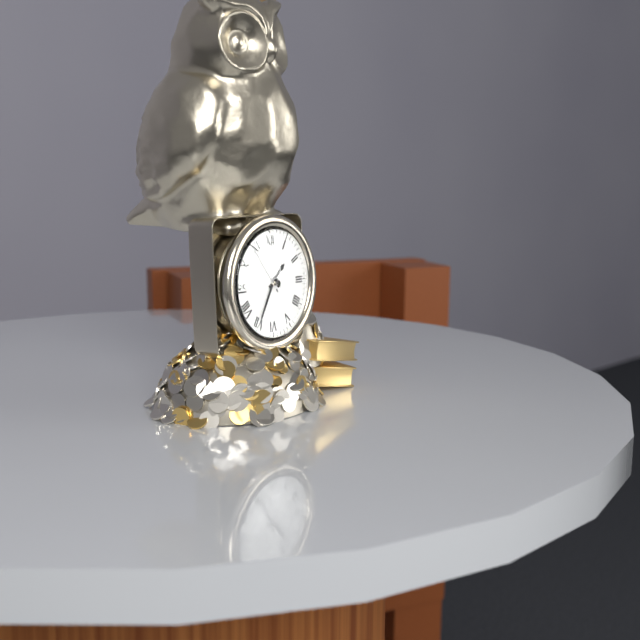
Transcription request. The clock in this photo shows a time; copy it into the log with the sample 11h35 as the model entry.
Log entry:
1h35
